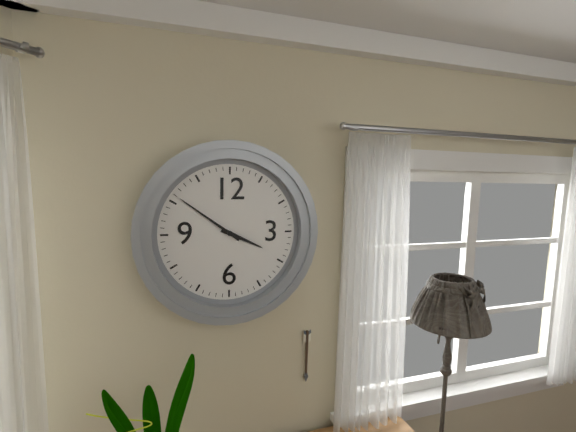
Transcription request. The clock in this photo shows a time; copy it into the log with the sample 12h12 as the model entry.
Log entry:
3h51
